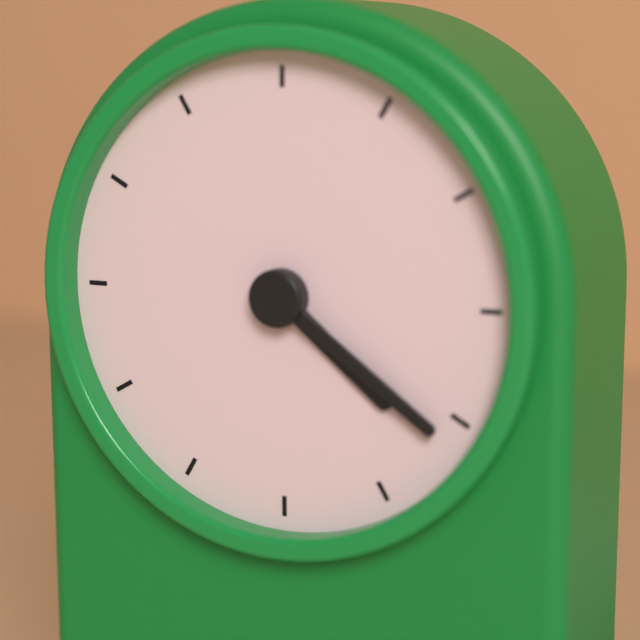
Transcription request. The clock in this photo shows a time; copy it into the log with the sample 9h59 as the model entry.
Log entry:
4h21
